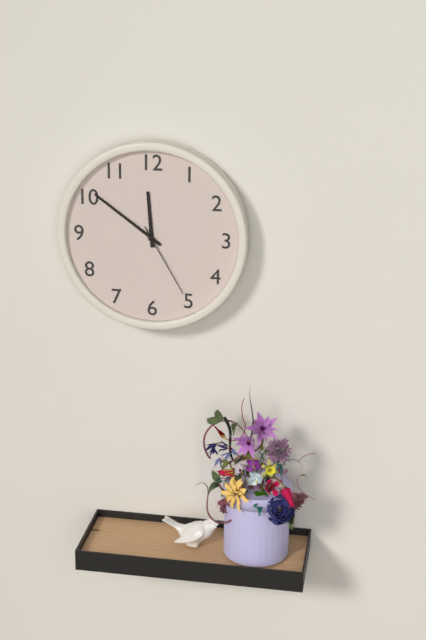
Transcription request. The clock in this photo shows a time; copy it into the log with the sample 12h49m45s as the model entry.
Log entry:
11h51m25s
